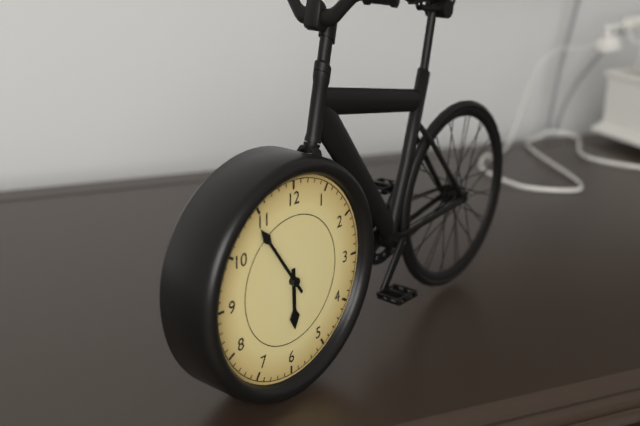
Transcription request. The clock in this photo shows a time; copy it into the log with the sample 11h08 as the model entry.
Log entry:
5h54
